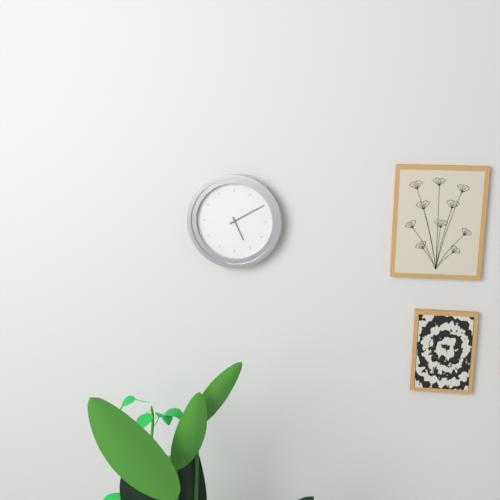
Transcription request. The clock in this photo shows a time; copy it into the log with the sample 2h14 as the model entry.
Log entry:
5h10
